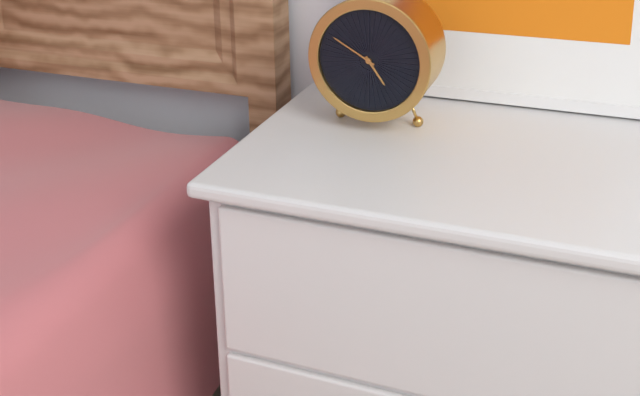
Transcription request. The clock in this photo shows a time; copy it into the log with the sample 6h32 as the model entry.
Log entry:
4h50
